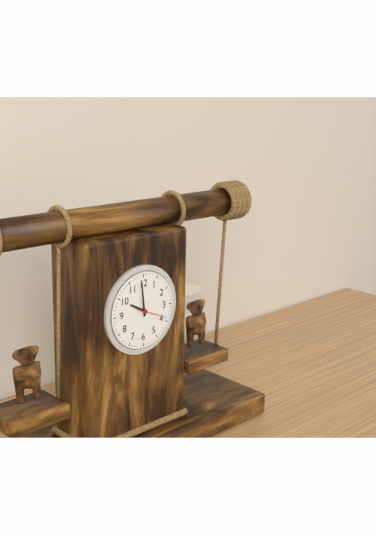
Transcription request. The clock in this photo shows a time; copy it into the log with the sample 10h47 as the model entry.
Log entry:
9h59
